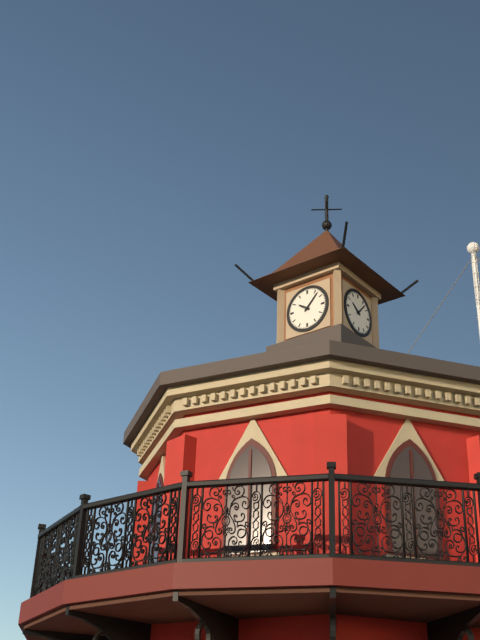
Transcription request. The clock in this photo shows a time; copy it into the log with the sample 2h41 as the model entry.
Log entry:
10h07
